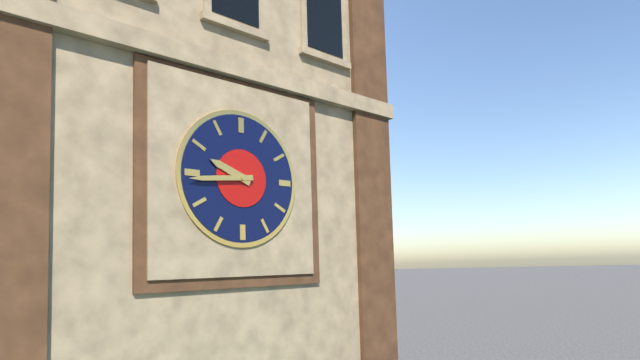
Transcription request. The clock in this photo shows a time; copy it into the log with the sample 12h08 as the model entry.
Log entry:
9h44
